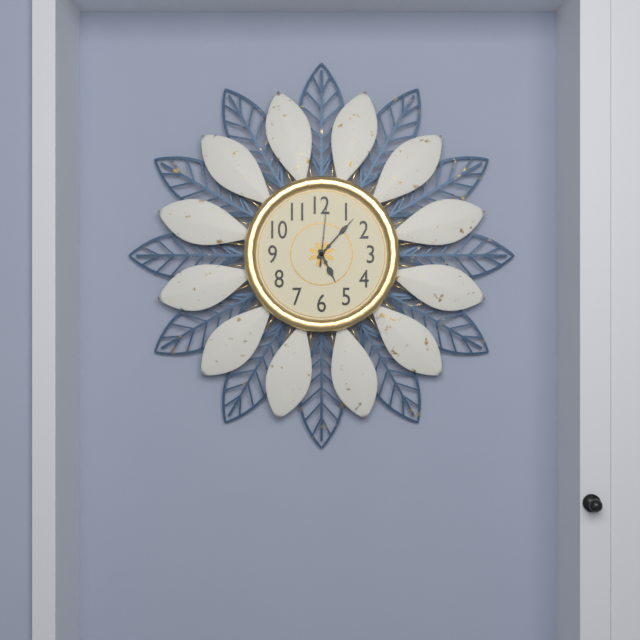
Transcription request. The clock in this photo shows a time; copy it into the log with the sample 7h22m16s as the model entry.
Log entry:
5h07m01s
